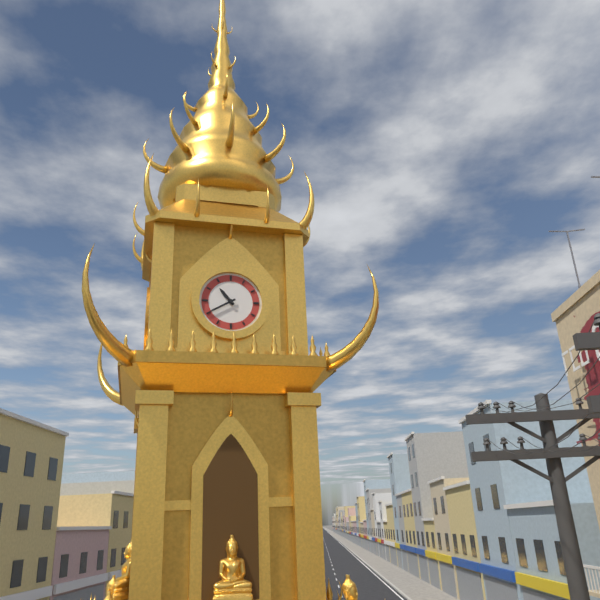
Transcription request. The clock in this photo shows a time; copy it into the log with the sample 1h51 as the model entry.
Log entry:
10h40
